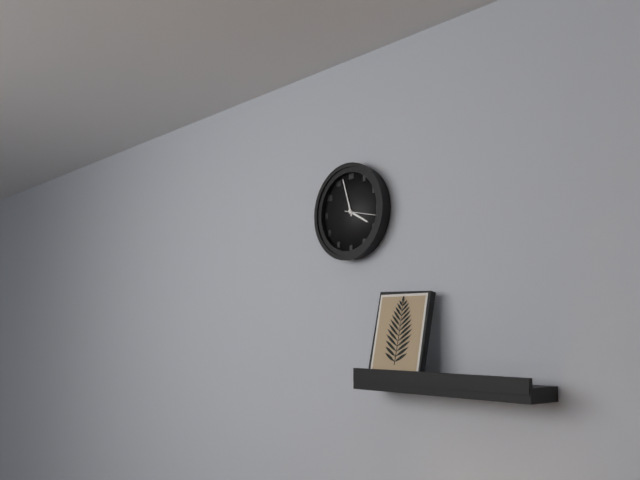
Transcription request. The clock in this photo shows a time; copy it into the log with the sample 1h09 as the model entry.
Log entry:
3h57
